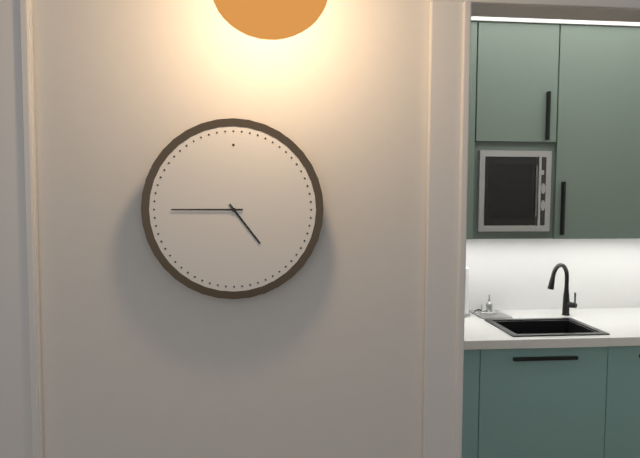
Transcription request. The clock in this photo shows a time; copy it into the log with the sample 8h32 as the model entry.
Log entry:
4h45
